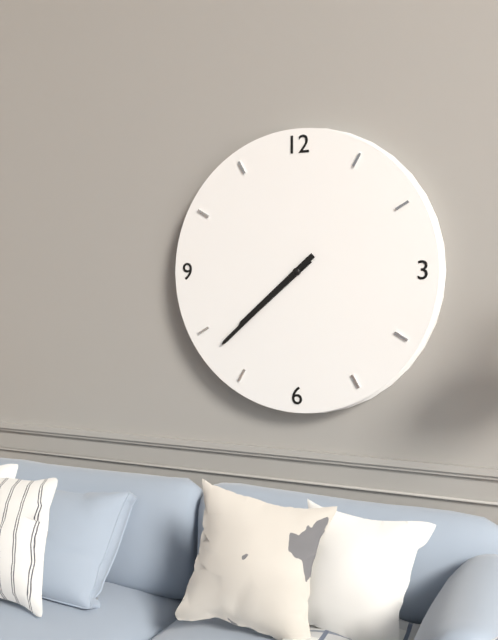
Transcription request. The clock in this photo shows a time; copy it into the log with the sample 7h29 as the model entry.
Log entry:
7h38
